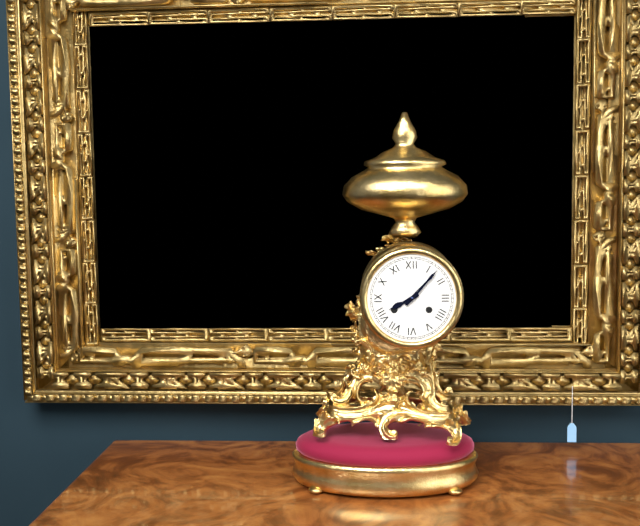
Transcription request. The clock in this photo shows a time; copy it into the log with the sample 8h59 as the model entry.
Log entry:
8h07
